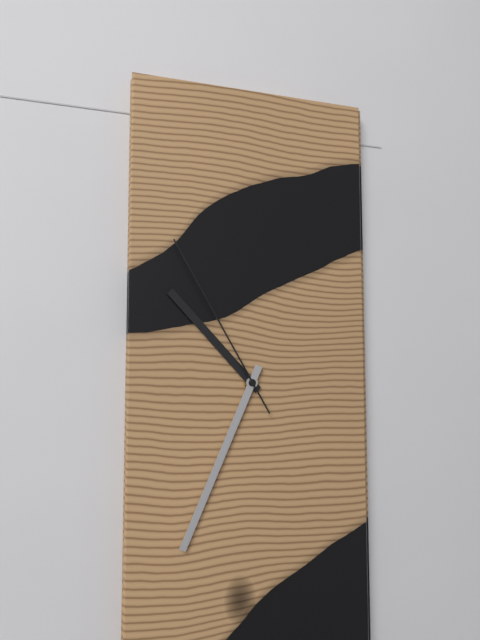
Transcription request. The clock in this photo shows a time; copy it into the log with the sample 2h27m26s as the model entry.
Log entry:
10h34m55s
